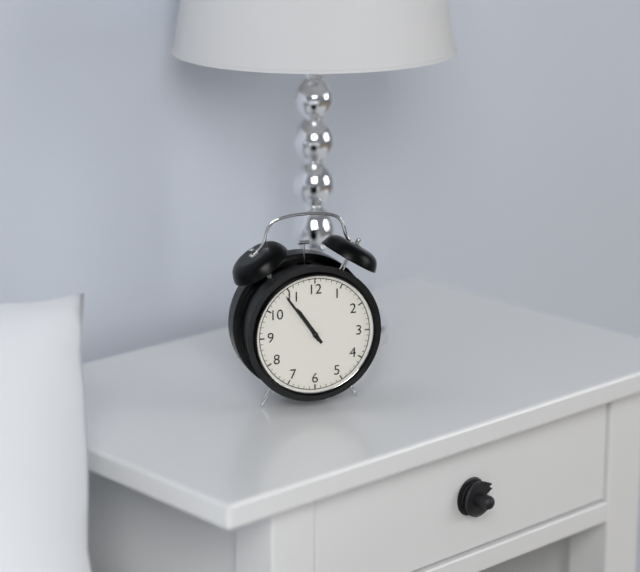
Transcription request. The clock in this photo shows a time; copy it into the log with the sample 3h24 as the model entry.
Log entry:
10h54
